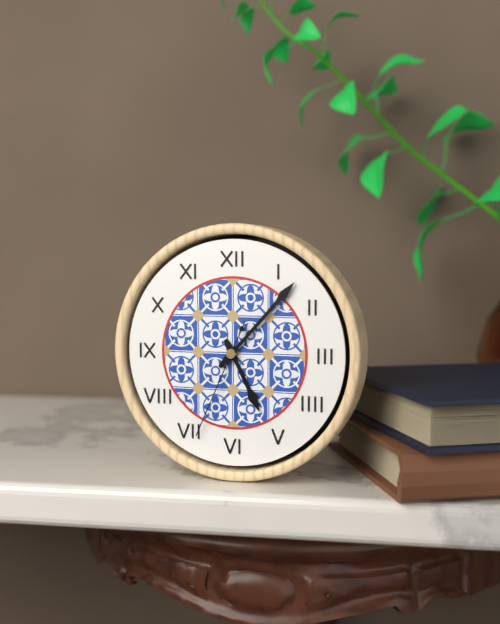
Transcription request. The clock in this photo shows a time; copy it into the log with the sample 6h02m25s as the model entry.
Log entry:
5h07m34s
